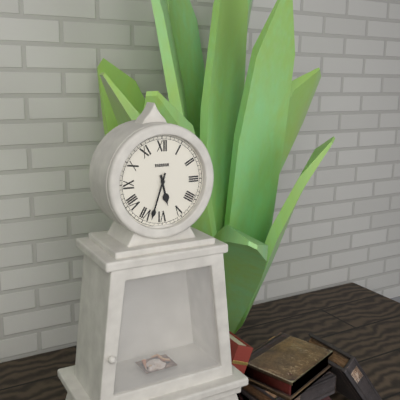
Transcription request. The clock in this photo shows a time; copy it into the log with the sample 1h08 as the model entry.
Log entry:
5h33
